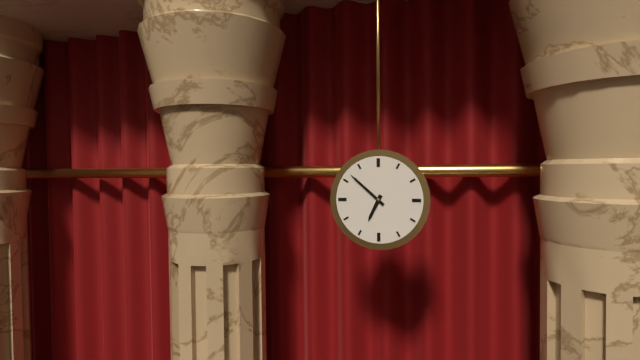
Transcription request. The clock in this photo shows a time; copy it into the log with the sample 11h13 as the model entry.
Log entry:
6h52
